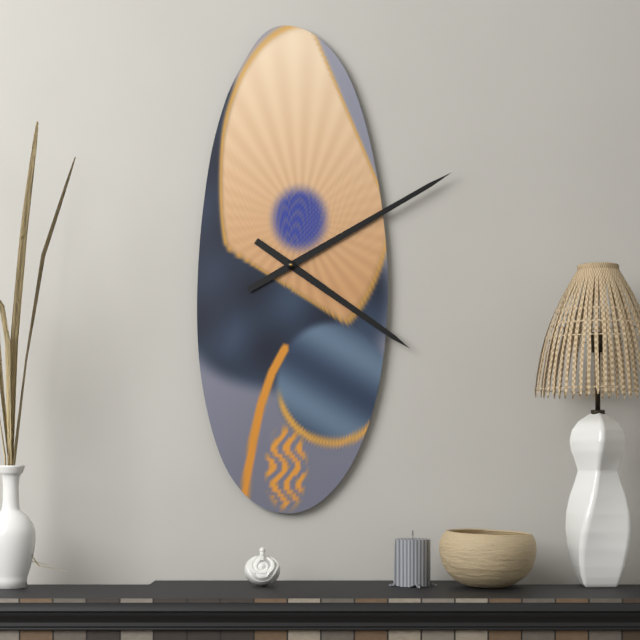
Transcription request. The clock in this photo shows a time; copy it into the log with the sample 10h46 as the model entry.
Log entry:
4h10
